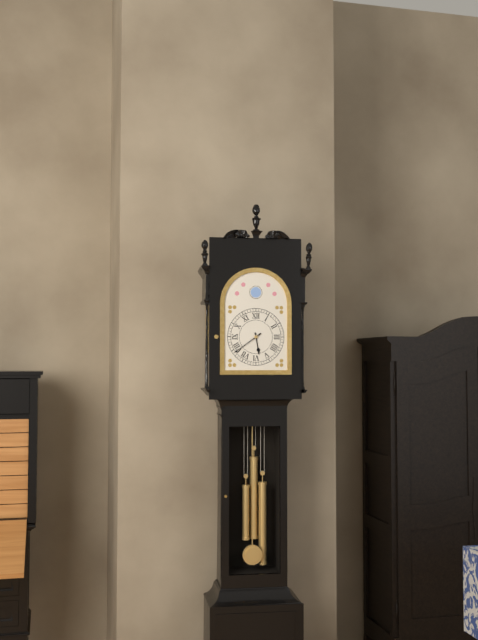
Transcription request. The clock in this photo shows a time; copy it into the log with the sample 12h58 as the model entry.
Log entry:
5h39
